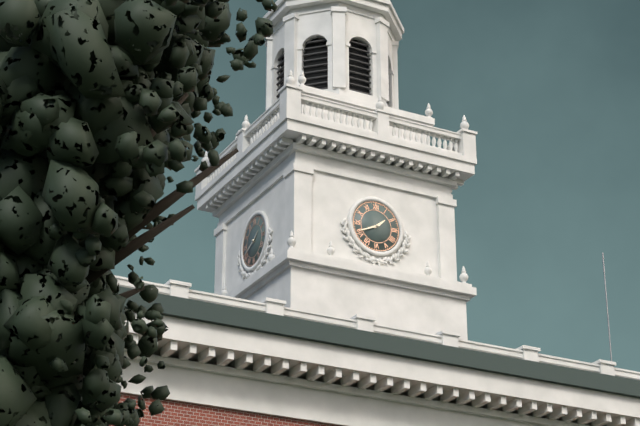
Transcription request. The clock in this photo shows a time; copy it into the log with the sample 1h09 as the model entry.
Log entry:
1h41
